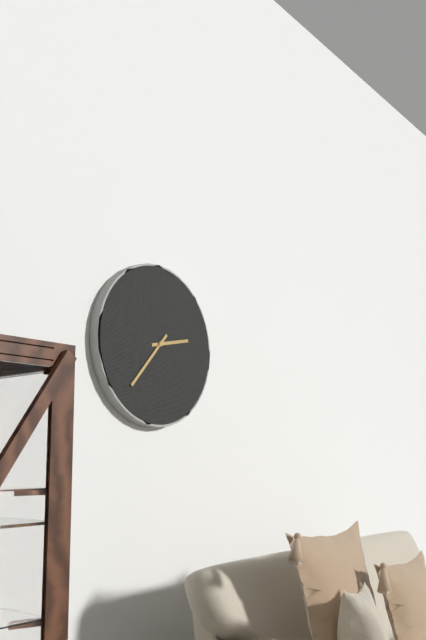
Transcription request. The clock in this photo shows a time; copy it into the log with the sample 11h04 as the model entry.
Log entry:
2h37
